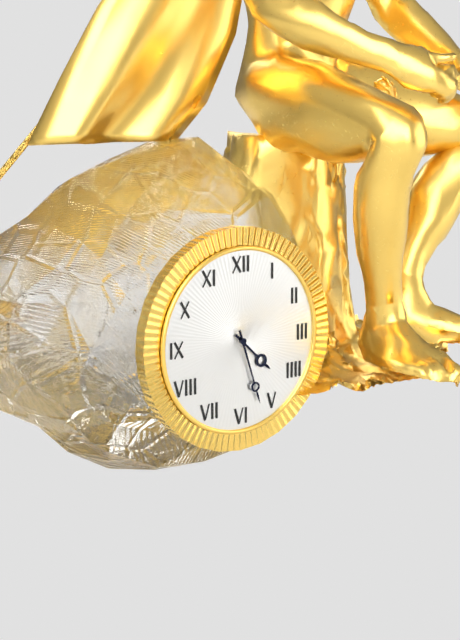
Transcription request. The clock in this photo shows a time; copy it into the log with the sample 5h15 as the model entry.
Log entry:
4h27
